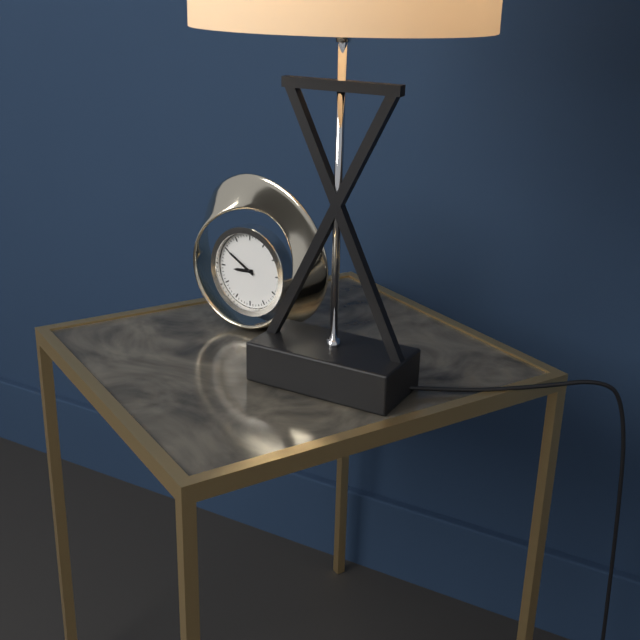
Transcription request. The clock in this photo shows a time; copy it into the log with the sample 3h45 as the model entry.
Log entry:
8h50
